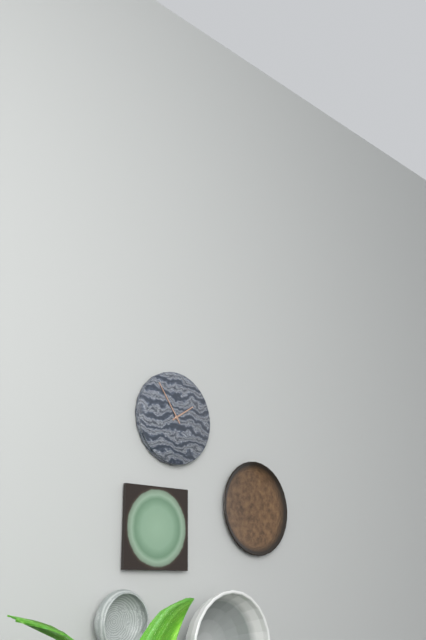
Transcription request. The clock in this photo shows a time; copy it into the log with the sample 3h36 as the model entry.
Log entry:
1h54
